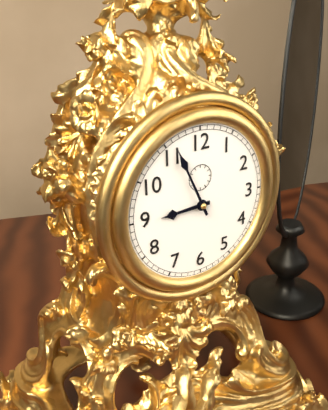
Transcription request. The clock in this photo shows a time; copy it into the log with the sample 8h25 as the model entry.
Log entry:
8h56
